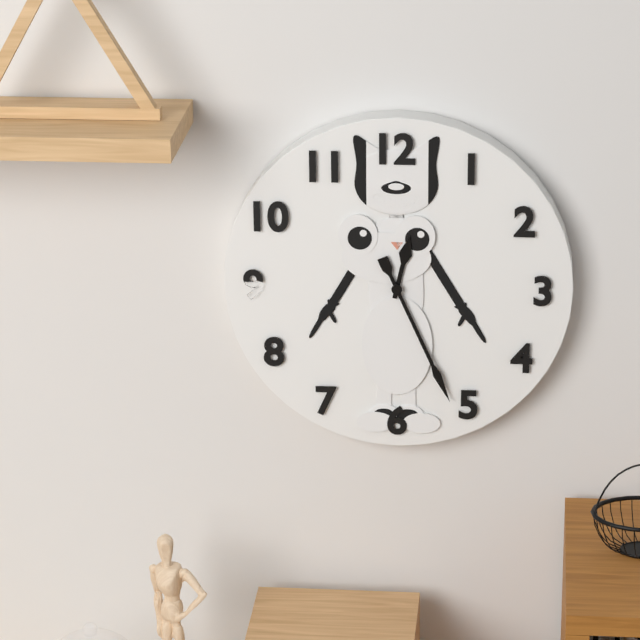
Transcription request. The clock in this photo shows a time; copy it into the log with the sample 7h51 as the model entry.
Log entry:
12h26
